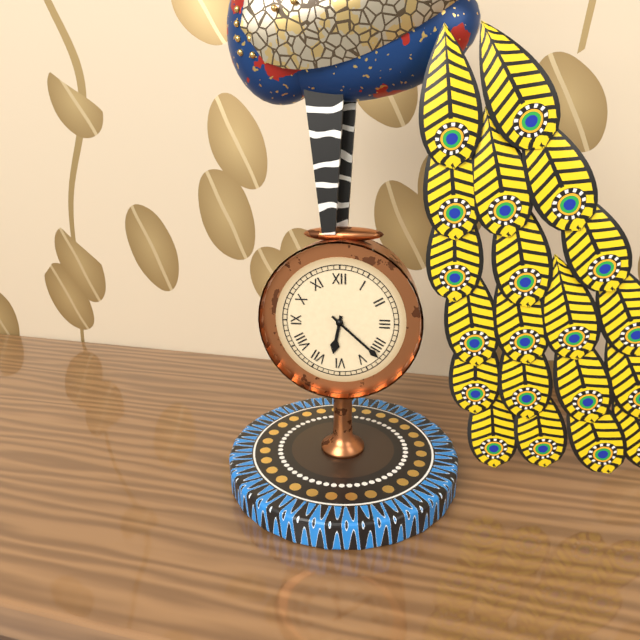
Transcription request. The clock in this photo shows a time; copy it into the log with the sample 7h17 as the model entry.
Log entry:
6h22
